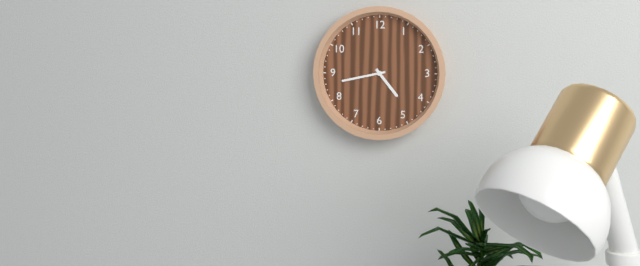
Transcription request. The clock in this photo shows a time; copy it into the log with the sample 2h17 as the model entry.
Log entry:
4h43
